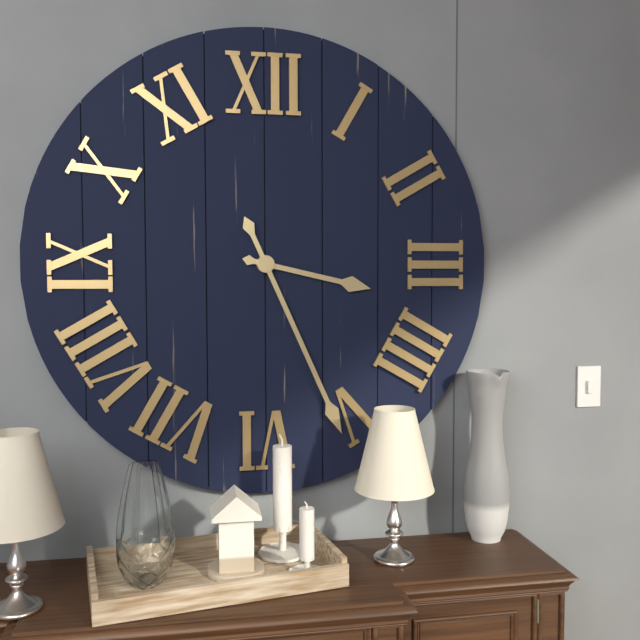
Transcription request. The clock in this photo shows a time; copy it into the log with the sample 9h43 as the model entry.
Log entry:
3h26
